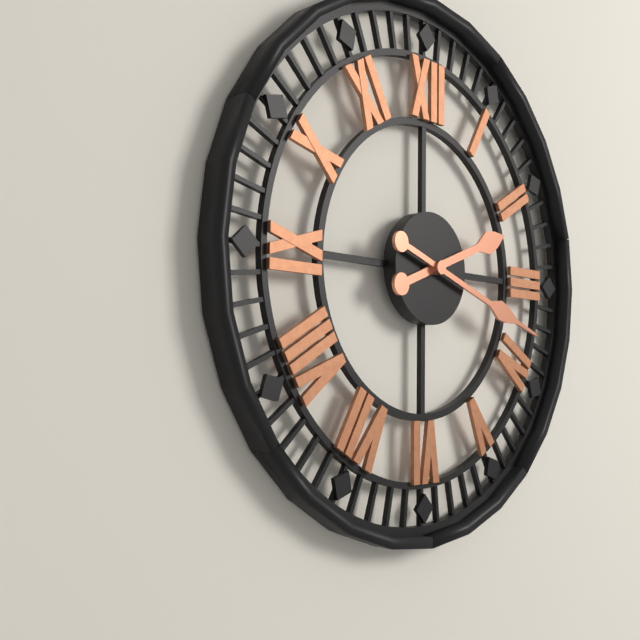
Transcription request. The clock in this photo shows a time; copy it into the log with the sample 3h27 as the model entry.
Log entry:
2h18
